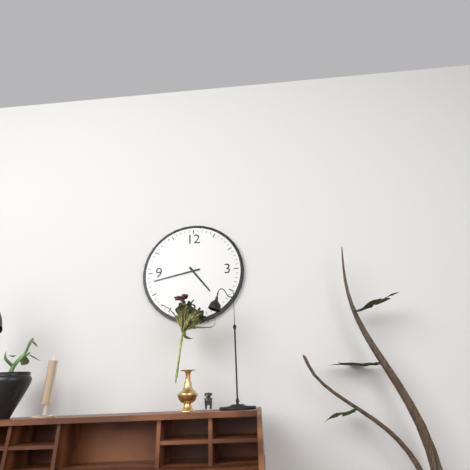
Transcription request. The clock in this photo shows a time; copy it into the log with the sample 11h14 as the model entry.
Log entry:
4h43
